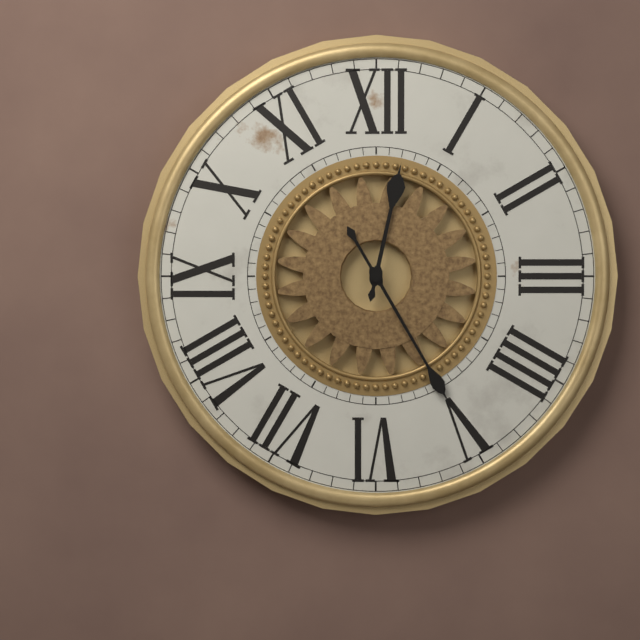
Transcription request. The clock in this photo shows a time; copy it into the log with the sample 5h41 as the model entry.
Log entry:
12h25
